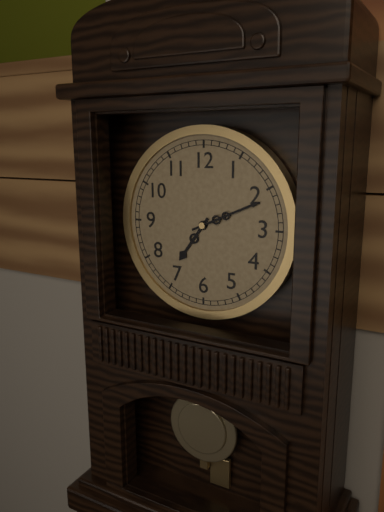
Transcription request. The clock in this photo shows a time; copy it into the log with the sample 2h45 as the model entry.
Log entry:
7h11
